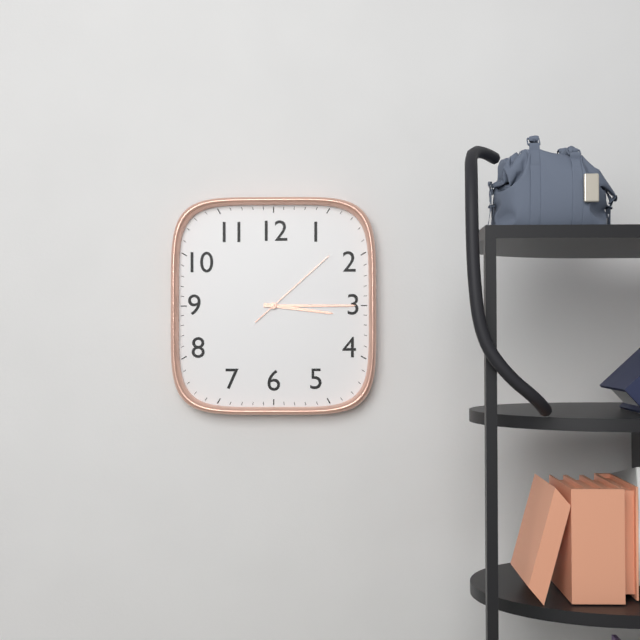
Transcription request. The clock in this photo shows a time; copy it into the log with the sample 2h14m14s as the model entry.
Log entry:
3h15m08s
